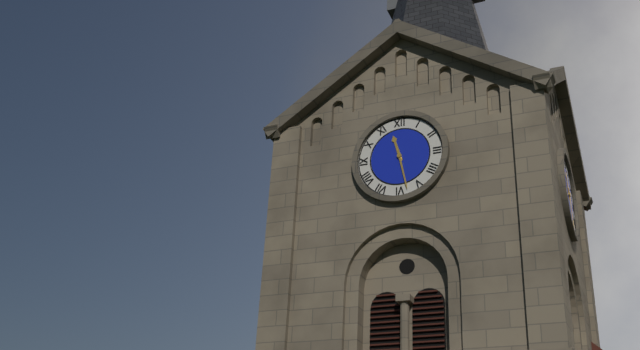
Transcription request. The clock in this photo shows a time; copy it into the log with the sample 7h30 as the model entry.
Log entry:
11h28
